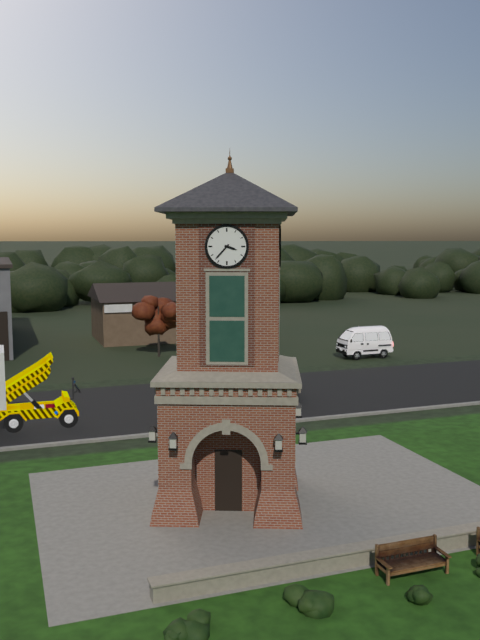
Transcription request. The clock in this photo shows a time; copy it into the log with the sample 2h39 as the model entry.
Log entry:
3h37
